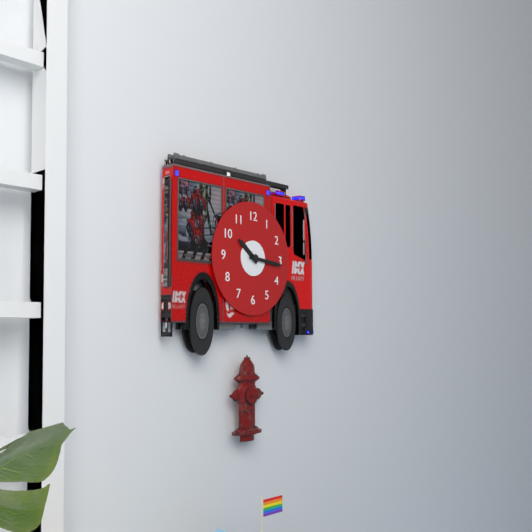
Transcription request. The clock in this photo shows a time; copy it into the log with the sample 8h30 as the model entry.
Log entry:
10h16
